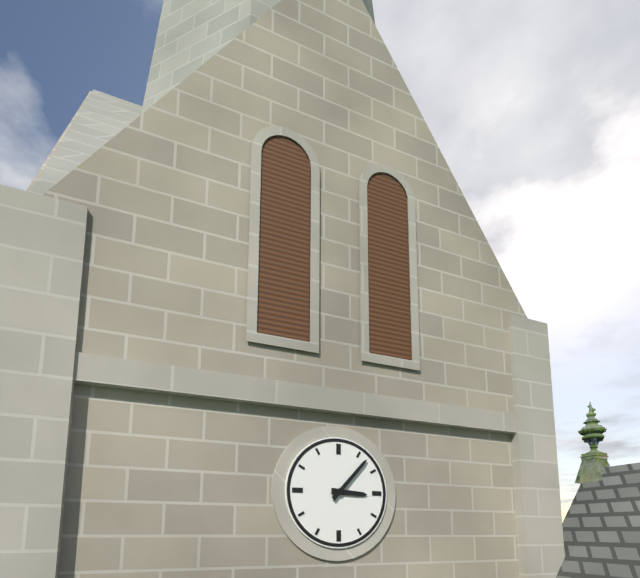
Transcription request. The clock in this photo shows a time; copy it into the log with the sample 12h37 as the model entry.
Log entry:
3h07
